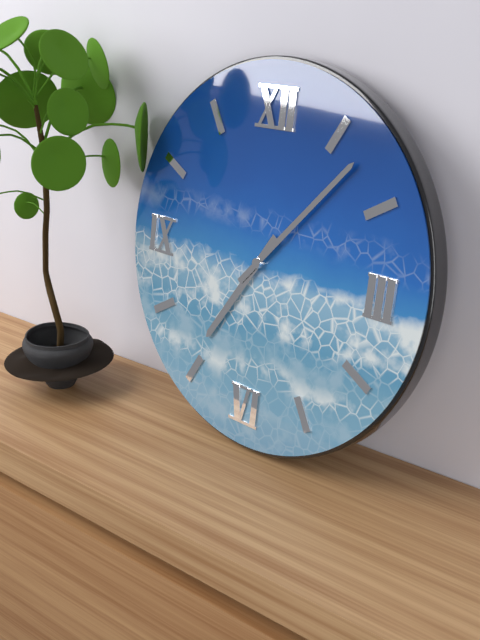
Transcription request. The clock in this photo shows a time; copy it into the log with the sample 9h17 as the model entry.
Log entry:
7h07
